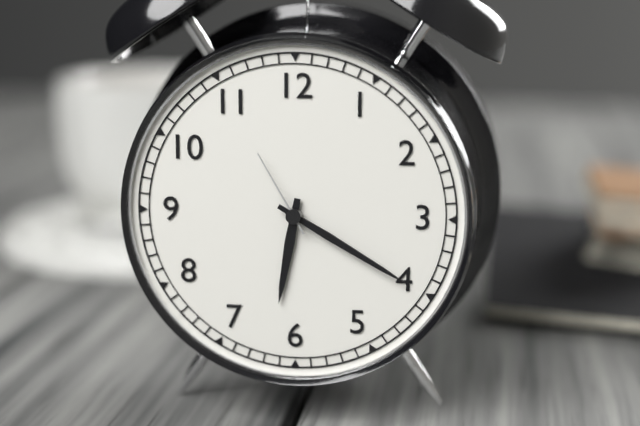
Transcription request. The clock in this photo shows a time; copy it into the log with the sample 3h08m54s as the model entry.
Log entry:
6h20m55s
